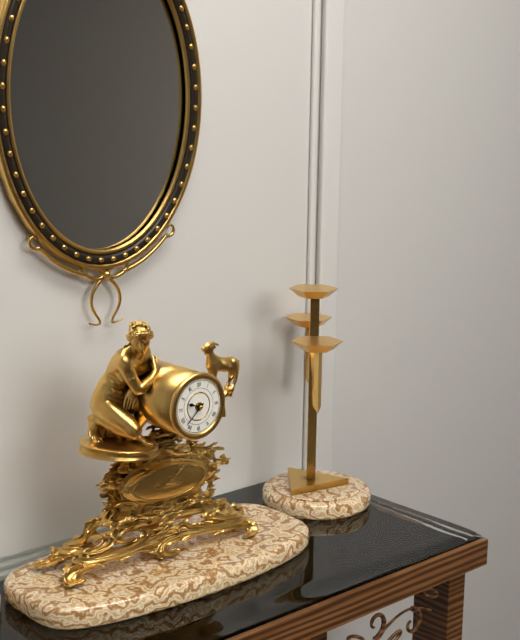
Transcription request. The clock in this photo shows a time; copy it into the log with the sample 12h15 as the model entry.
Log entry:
9h38
